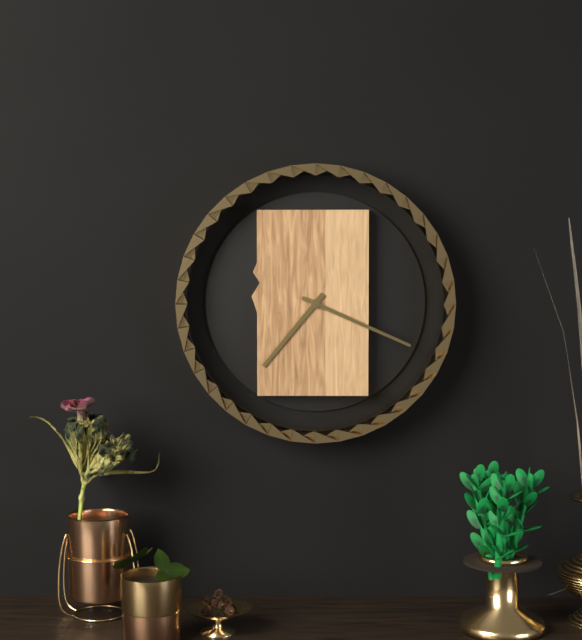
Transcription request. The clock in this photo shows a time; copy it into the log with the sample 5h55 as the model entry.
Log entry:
7h19
